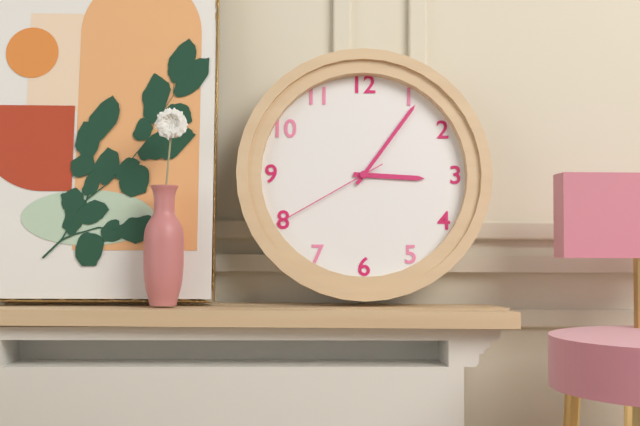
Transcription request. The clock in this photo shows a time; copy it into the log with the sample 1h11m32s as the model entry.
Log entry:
3h06m40s
